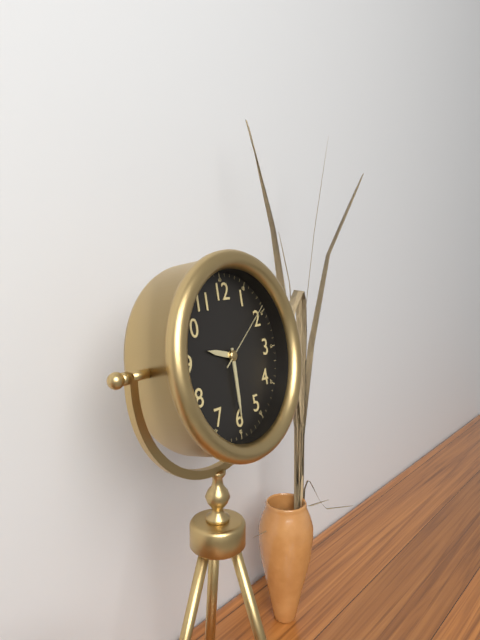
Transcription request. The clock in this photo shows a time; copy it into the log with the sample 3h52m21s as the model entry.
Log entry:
9h30m09s
